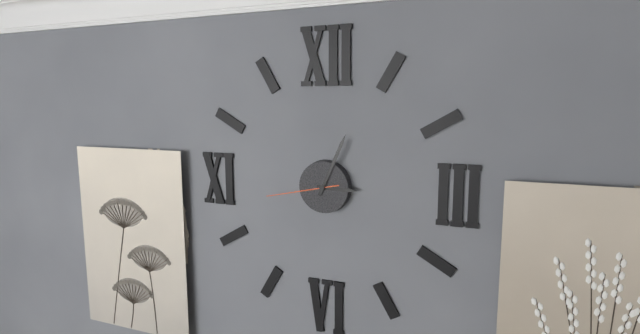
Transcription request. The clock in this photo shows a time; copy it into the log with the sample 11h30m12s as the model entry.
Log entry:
3h04m43s
